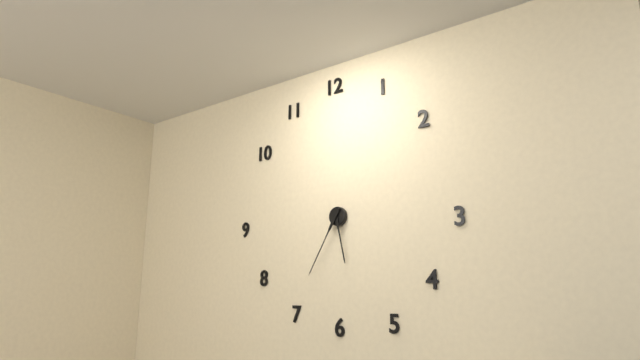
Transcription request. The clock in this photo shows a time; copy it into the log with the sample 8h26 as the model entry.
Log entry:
5h35
